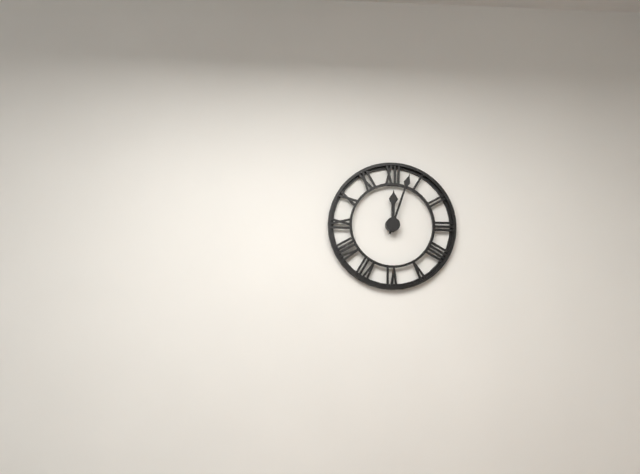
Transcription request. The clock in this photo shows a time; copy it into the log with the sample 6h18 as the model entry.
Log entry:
12h03
